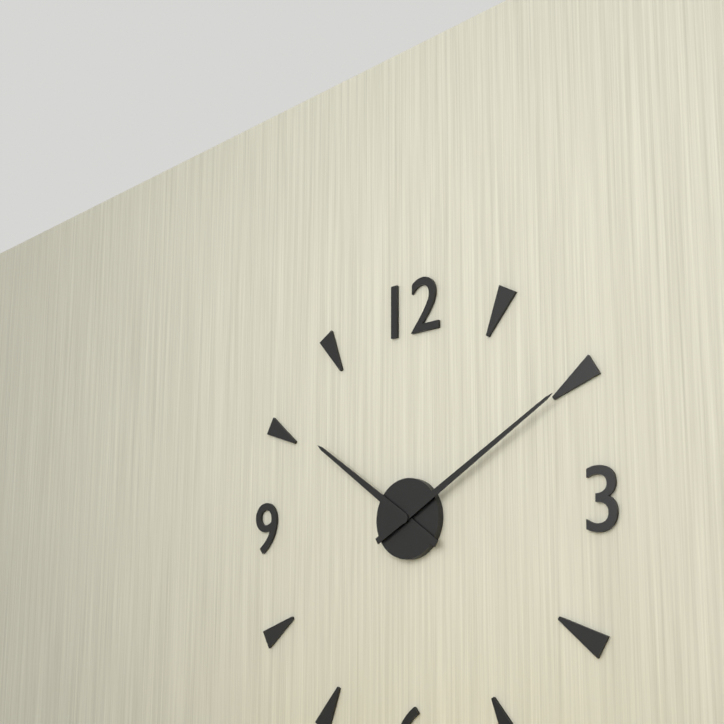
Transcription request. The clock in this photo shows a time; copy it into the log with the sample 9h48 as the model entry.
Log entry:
10h10
